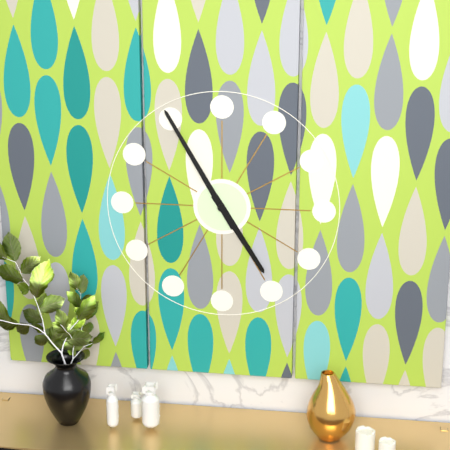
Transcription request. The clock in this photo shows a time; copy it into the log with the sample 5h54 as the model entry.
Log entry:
4h55
